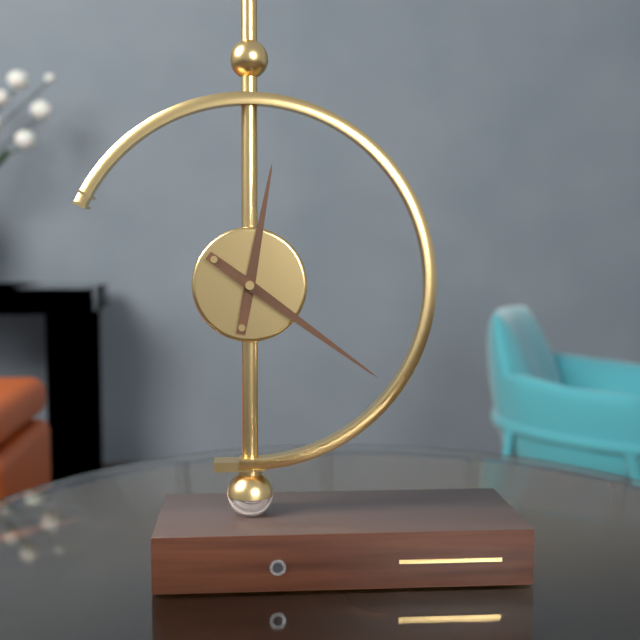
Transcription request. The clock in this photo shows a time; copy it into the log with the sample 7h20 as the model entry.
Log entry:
12h21
